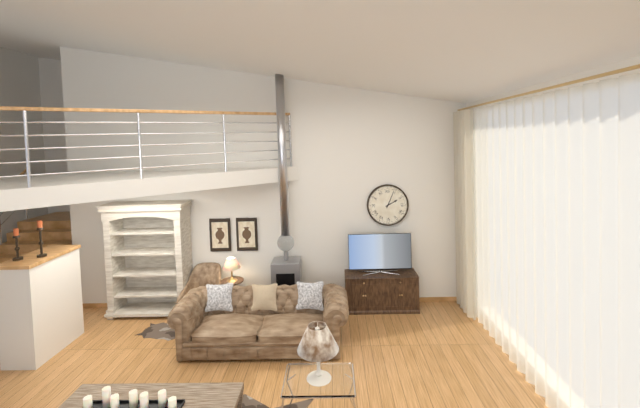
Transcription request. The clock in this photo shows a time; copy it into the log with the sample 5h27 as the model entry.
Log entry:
2h04
